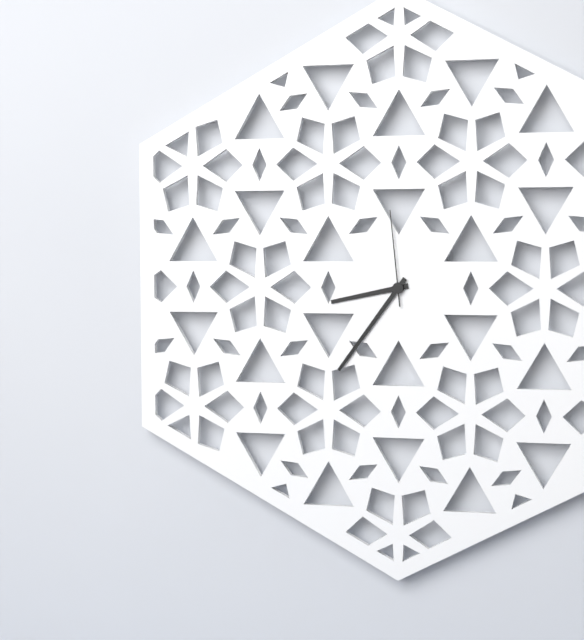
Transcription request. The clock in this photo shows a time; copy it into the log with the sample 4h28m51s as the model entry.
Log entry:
8h36m59s
